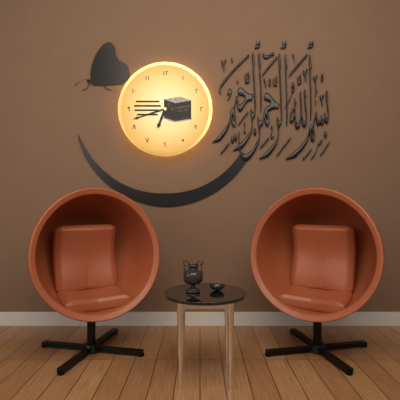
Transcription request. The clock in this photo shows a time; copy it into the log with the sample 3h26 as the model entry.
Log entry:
6h42
